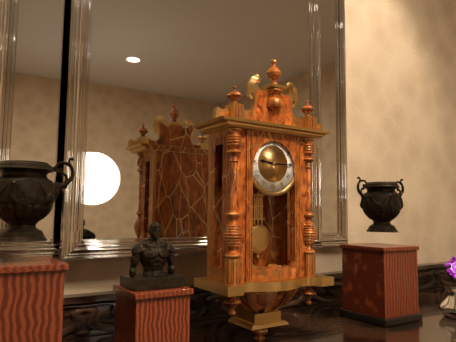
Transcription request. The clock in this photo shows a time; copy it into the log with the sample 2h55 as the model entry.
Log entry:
9h15
